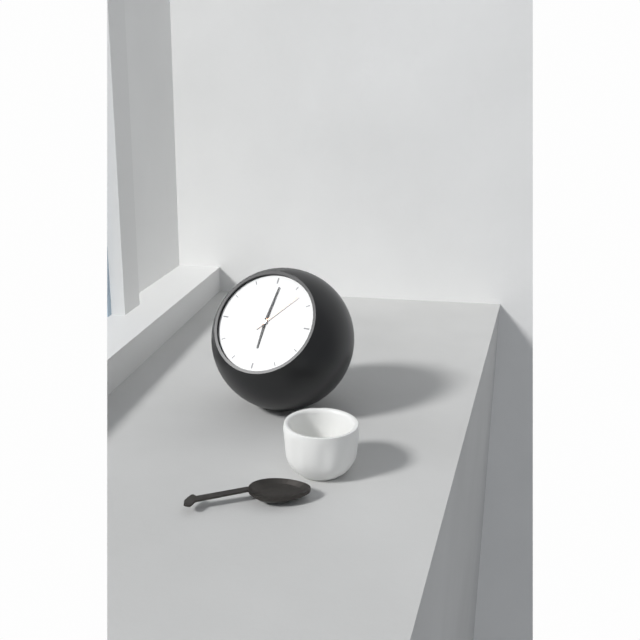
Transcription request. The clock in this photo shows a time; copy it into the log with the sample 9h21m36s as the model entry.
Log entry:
6h01m07s
